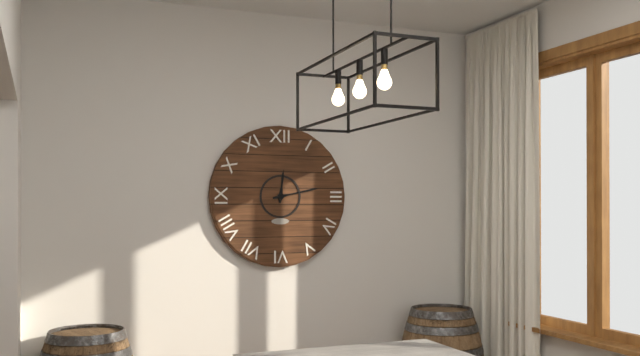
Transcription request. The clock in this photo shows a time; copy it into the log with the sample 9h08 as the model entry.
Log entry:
12h13
